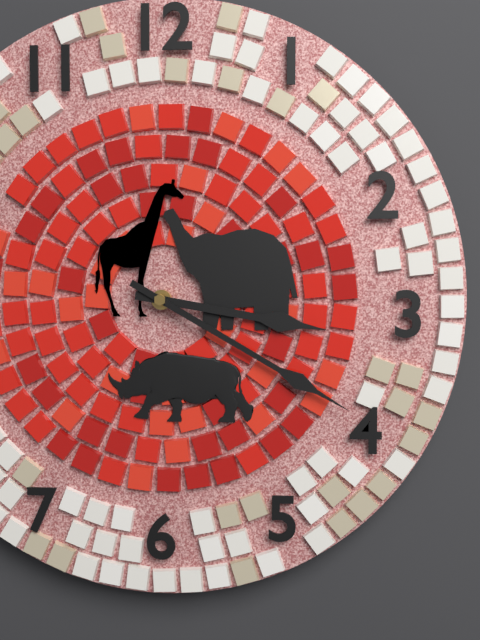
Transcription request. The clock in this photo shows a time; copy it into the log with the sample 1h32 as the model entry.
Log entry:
3h20
